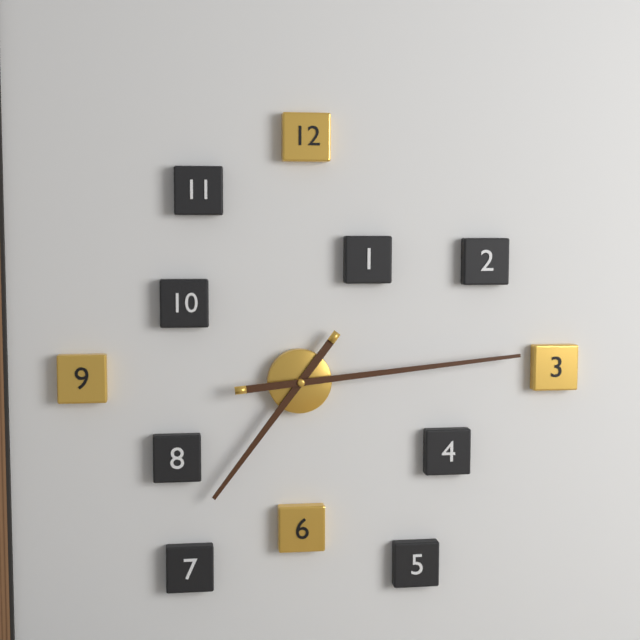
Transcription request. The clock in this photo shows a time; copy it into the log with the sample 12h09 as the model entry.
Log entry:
7h14
